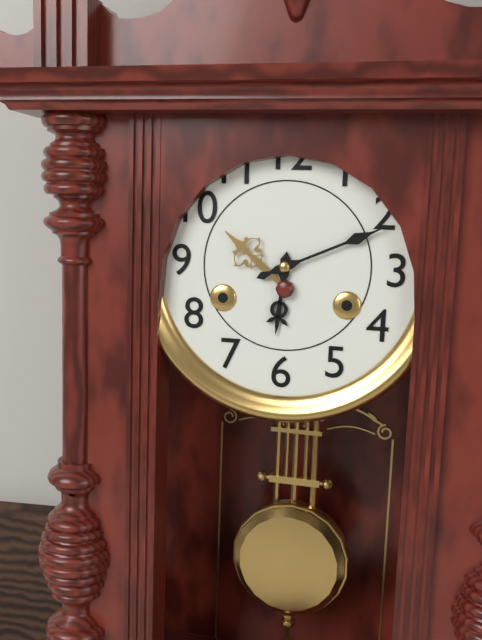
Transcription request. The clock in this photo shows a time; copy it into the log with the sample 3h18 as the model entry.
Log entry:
6h11
